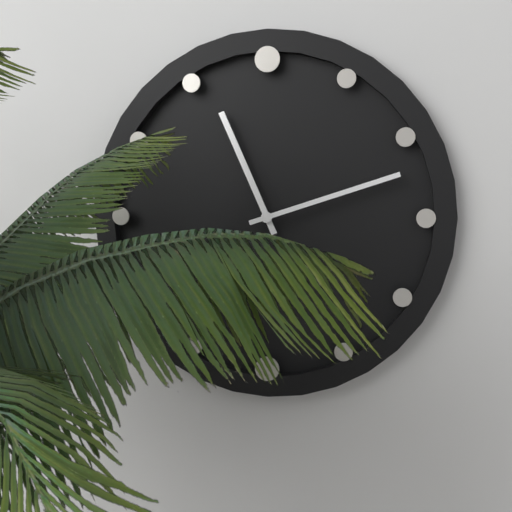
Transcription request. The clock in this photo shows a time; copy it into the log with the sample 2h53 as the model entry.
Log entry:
11h12
